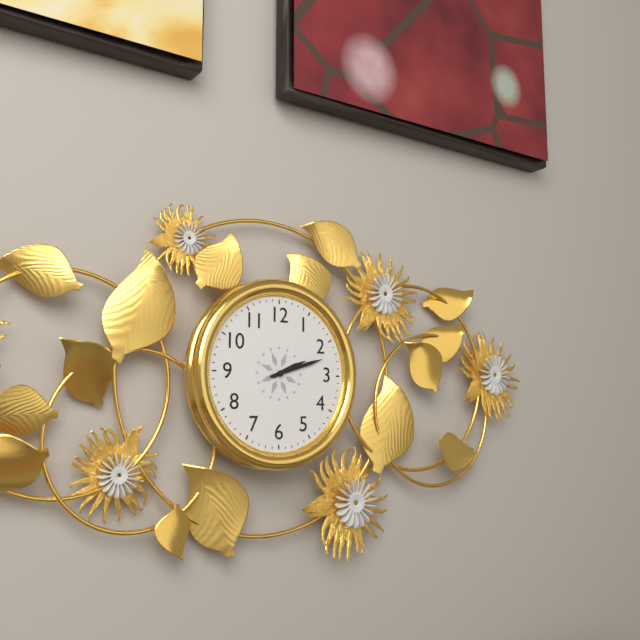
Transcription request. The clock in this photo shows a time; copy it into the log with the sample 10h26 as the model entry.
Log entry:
2h12
